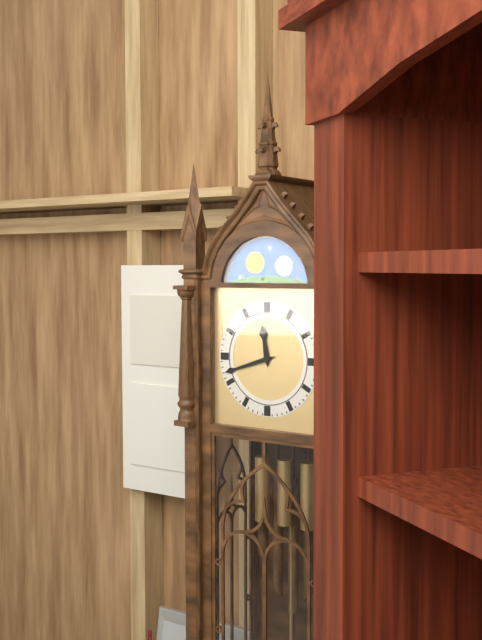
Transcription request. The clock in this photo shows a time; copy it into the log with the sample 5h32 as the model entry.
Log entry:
11h42
